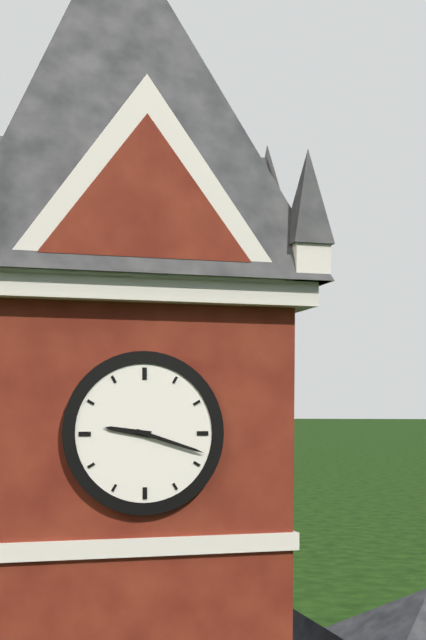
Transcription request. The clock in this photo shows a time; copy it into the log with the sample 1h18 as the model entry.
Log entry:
9h18
